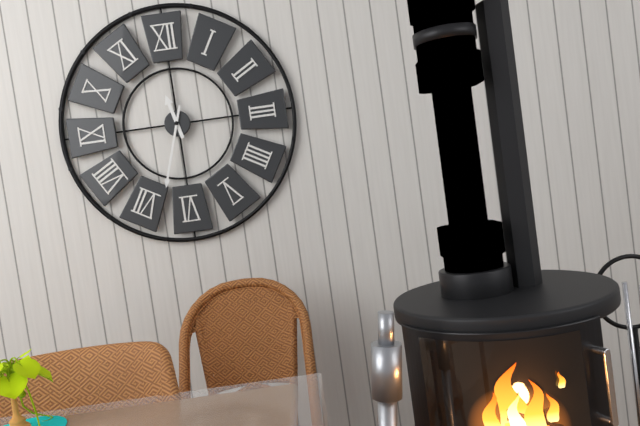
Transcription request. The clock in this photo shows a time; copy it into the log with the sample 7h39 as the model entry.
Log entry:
11h33
